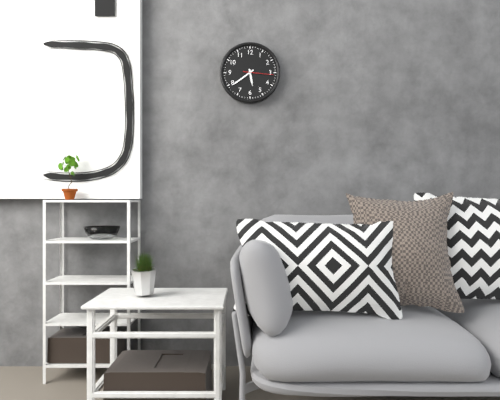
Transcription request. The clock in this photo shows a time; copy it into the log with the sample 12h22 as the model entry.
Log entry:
5h39
